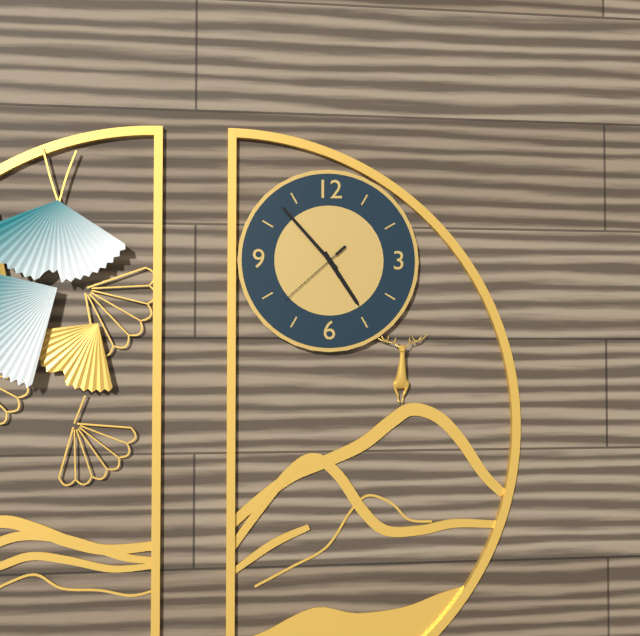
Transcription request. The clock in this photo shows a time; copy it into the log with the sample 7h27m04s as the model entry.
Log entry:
4h53m38s
